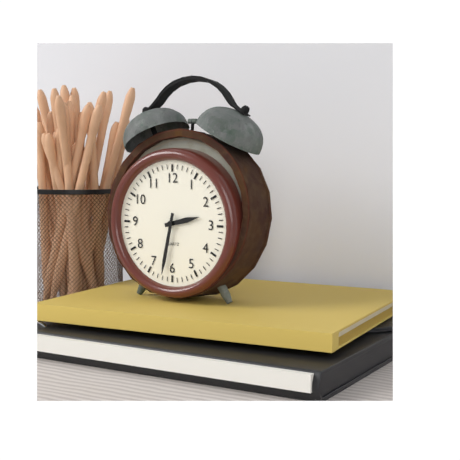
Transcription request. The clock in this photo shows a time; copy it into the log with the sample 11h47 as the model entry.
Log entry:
2h32
